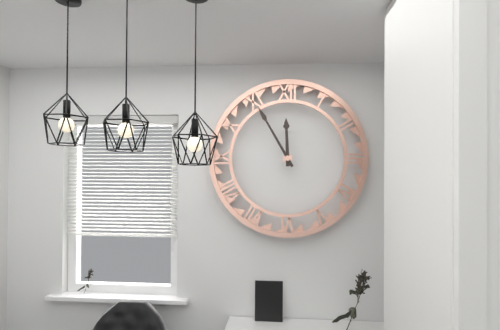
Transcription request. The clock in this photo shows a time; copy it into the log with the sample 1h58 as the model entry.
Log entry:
11h55
